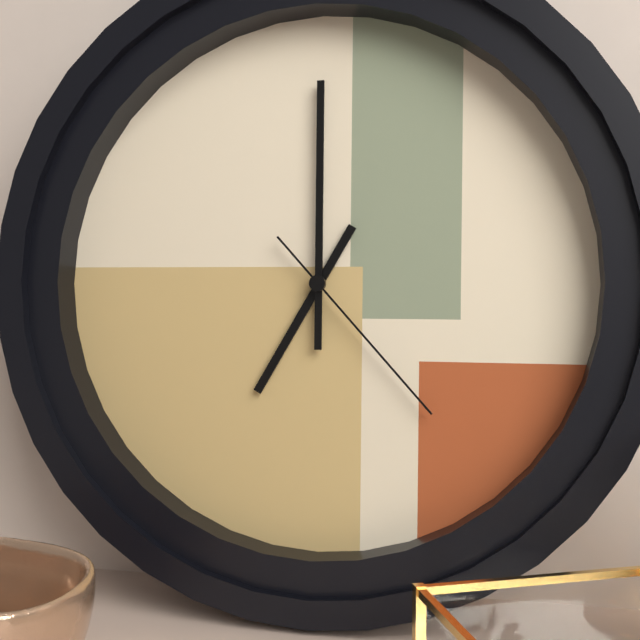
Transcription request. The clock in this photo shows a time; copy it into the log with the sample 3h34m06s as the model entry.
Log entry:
7h00m23s
